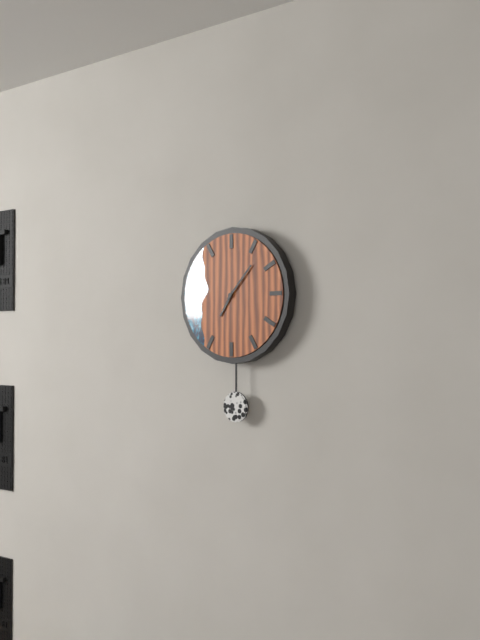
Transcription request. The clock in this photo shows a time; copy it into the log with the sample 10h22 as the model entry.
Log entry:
7h07
